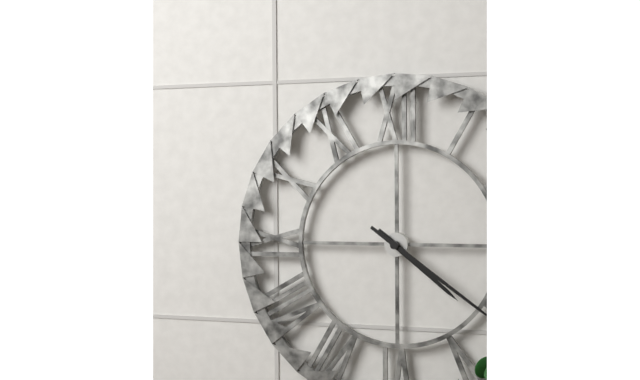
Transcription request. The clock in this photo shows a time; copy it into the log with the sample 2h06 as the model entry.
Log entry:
4h21
